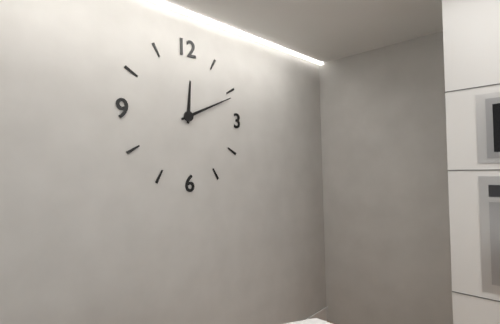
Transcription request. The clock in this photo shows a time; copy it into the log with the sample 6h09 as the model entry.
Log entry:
12h11
